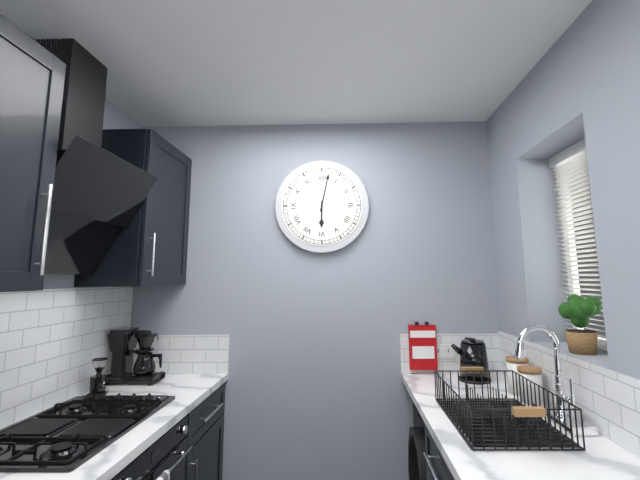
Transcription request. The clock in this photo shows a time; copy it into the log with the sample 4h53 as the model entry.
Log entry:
6h02
